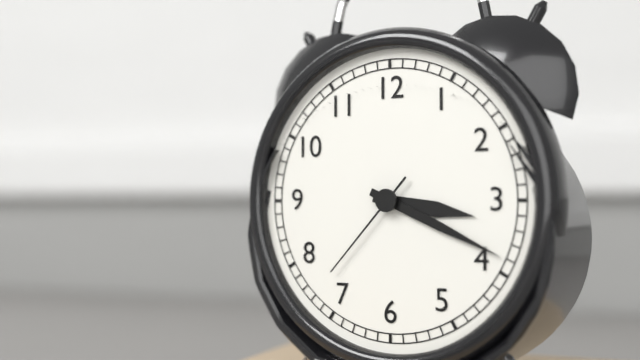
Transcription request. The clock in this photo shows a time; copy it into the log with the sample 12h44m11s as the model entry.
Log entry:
3h19m37s
